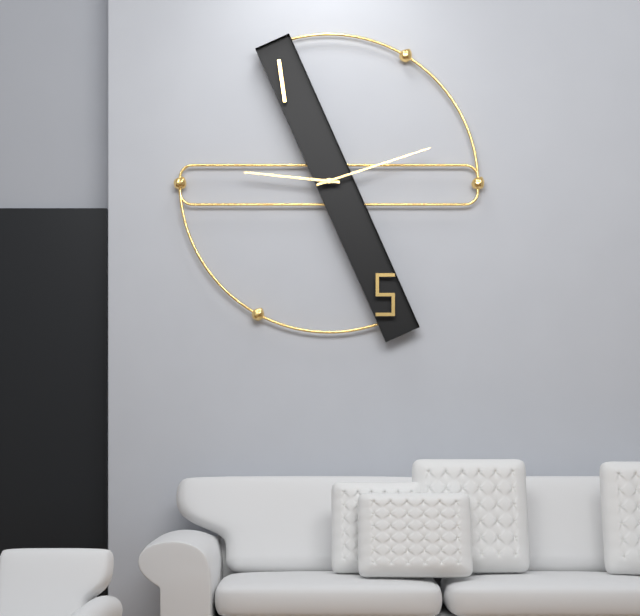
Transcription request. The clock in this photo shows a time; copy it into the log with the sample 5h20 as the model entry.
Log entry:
9h12
